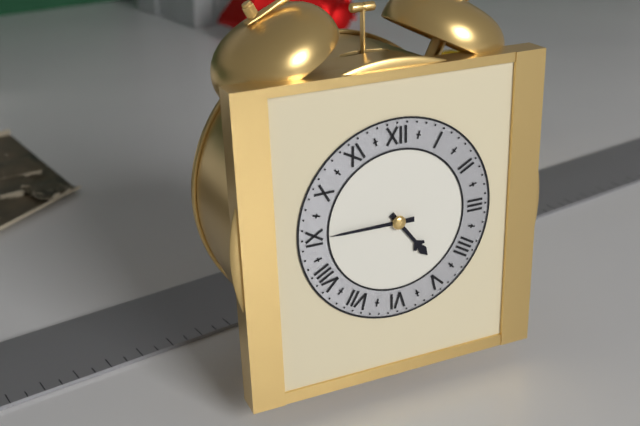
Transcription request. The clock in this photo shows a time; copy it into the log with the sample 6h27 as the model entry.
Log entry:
4h45
